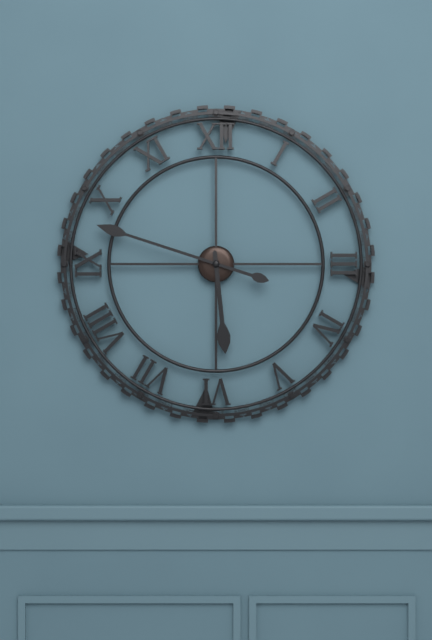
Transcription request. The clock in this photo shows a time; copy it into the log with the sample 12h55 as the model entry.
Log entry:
5h48
